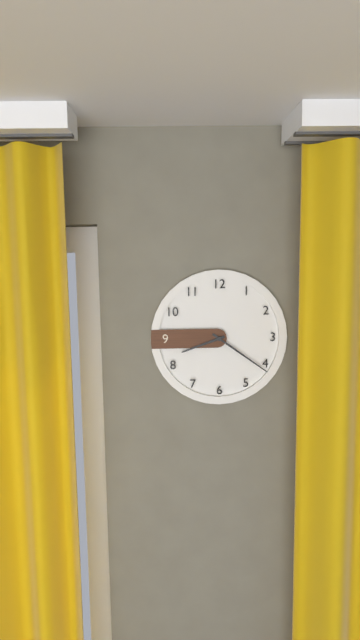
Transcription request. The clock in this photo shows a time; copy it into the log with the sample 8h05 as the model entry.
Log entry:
8h21
